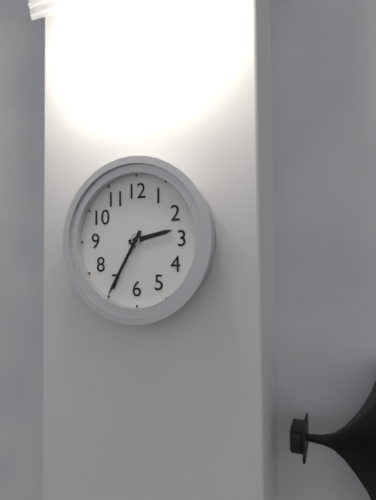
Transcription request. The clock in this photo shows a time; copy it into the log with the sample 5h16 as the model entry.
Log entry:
2h35
